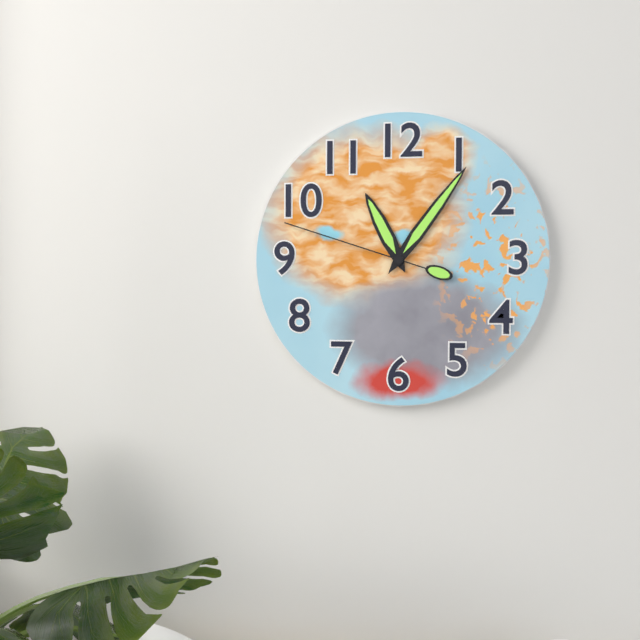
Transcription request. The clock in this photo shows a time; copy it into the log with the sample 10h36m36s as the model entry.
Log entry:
11h06m48s
